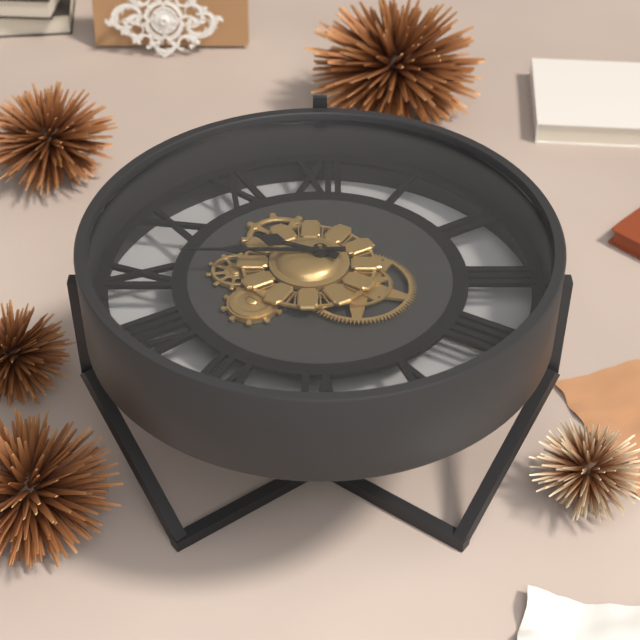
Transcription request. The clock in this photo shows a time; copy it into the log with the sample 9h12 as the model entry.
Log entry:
9h45
